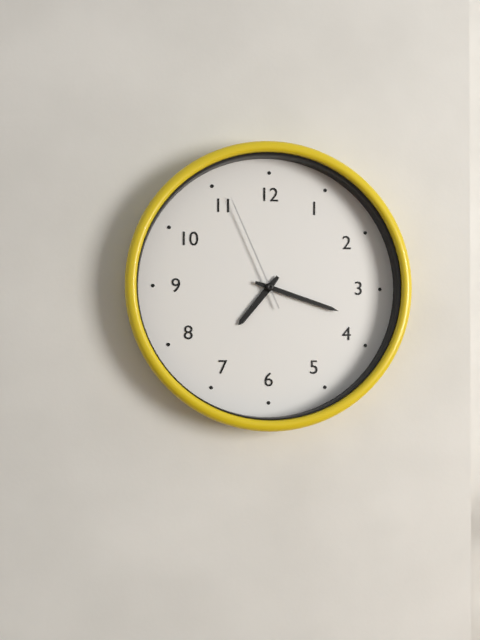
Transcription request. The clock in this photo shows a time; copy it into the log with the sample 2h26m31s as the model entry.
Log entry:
7h18m56s
